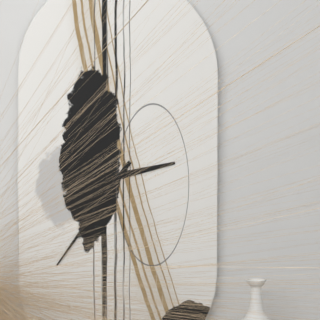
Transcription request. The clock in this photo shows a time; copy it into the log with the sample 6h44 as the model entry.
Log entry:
2h36
